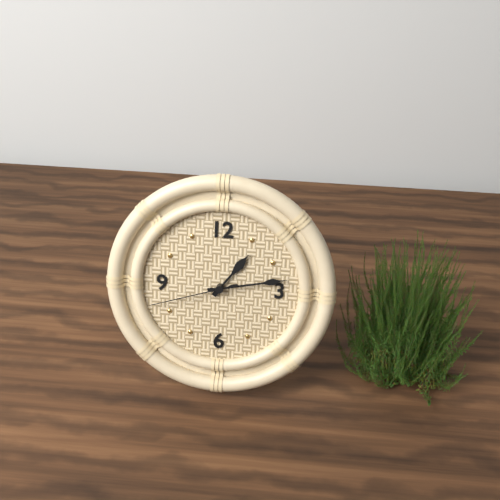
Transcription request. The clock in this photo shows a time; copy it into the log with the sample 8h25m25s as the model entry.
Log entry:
1h13m42s
